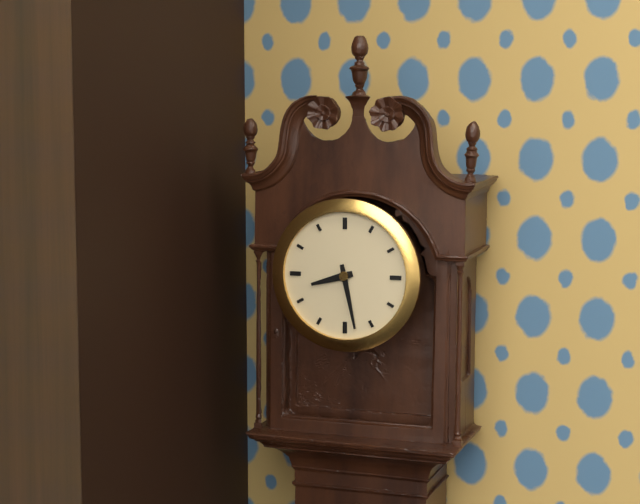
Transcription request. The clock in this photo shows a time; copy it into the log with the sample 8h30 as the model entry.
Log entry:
8h28
